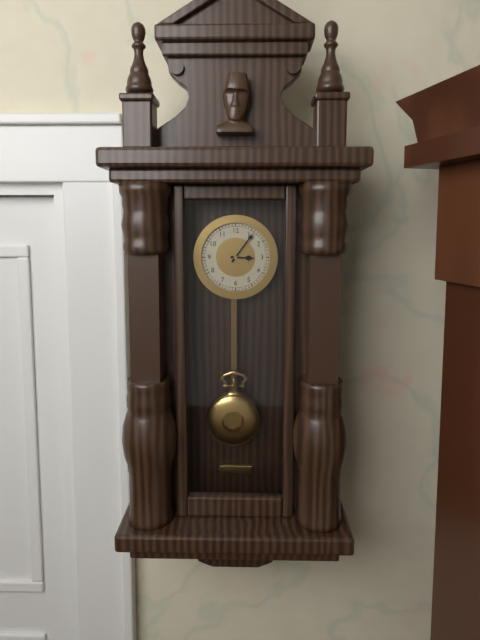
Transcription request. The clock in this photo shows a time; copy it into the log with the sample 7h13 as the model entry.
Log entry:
3h06
